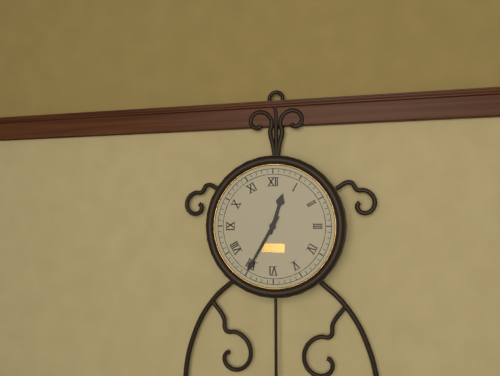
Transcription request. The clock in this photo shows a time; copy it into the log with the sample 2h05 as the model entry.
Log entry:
12h35
